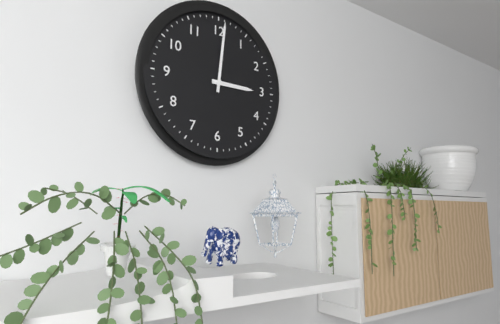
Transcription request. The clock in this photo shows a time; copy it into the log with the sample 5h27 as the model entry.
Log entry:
3h01
